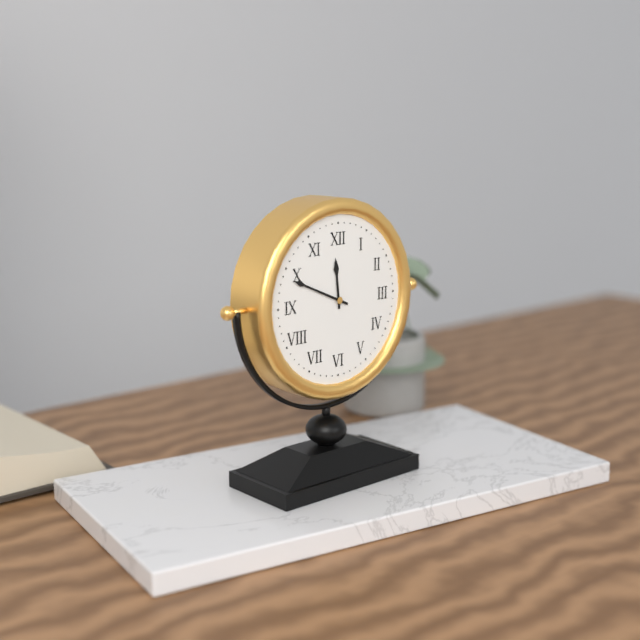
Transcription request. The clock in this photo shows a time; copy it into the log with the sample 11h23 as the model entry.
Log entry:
11h49
